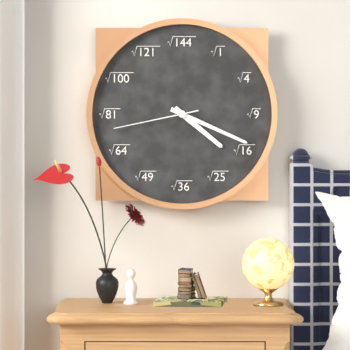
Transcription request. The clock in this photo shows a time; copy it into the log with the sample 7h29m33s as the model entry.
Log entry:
4h19m43s
